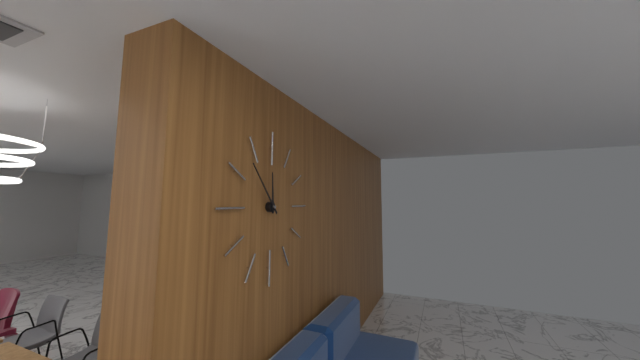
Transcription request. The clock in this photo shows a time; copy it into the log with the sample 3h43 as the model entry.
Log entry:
11h53
